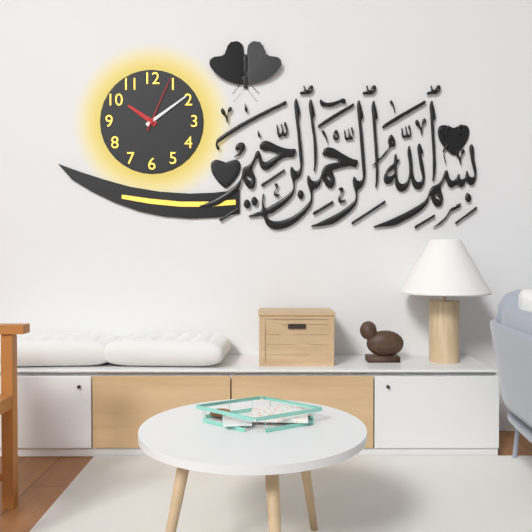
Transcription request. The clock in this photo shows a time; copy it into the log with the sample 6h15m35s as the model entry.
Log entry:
10h09m04s
